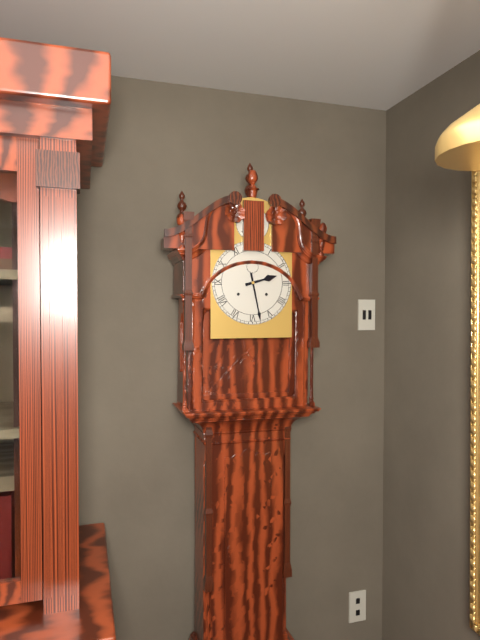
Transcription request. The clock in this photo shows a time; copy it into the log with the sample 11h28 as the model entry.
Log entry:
2h28
